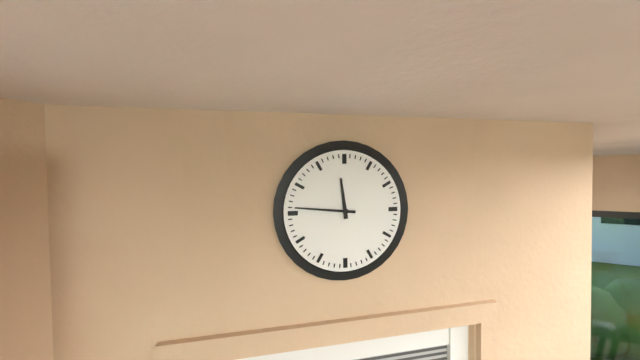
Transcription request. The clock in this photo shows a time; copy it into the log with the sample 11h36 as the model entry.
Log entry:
11h46
